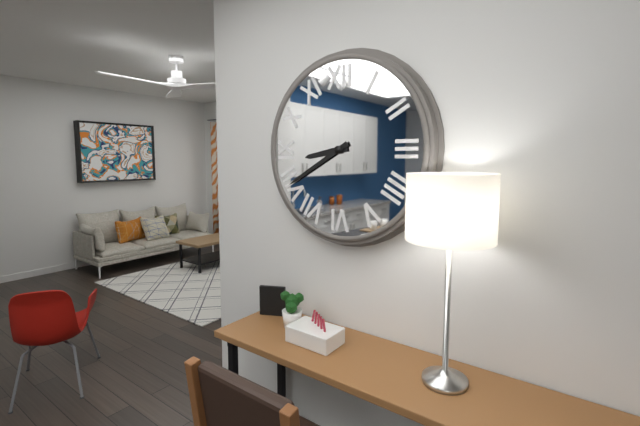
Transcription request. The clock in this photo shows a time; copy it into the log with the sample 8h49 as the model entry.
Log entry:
8h40
